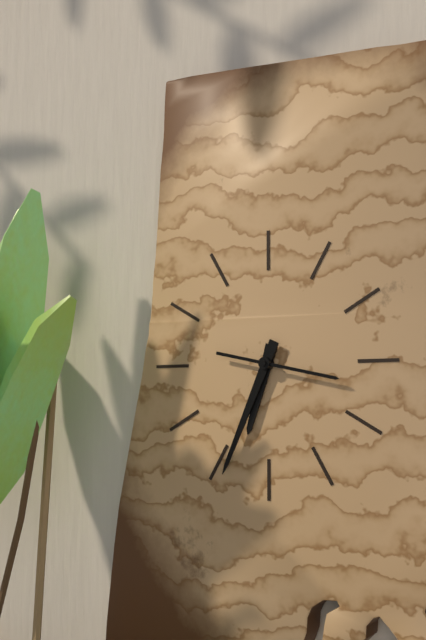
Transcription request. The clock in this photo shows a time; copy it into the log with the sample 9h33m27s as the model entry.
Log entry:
6h34m17s
